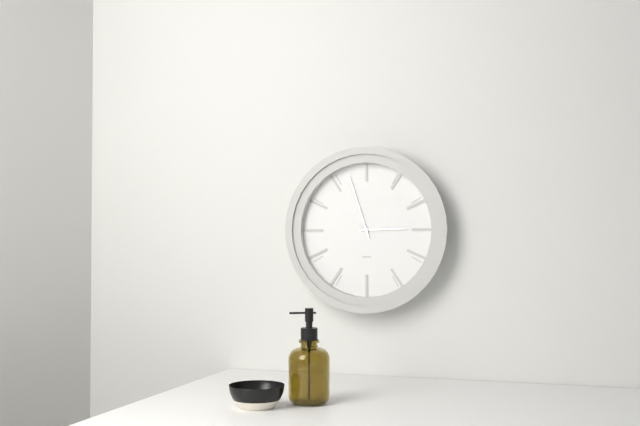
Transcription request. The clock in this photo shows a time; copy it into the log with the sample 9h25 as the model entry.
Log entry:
2h57
